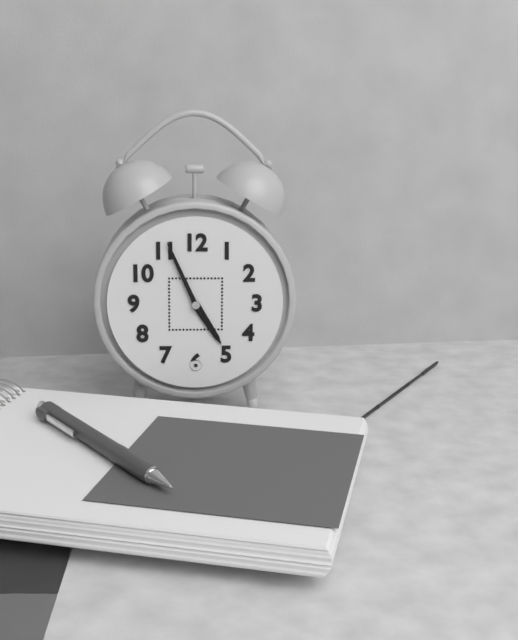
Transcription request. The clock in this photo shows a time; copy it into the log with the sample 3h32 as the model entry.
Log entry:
4h56
